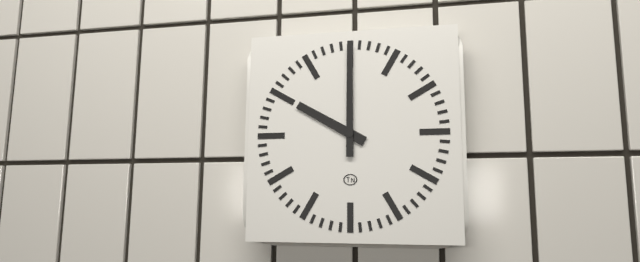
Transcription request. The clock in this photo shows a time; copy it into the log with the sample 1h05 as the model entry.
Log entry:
10h00
